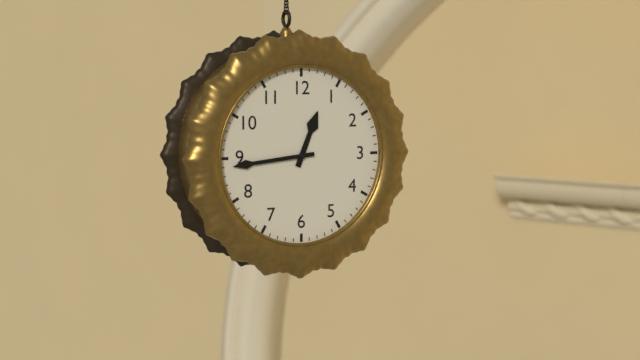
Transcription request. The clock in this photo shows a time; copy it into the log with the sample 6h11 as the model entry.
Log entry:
12h44
